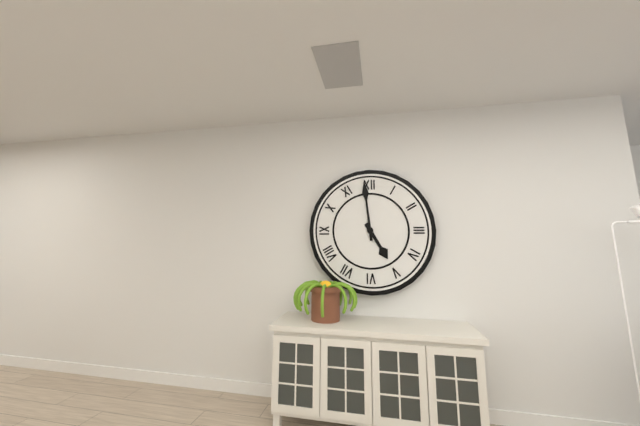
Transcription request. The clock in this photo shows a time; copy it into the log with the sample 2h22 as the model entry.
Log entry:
4h59
